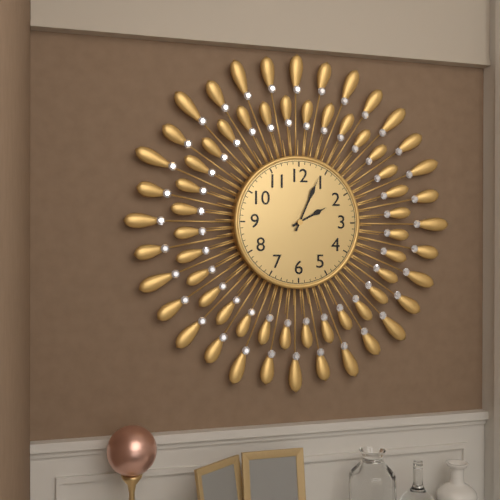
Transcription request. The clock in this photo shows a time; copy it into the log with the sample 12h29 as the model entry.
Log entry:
2h04
